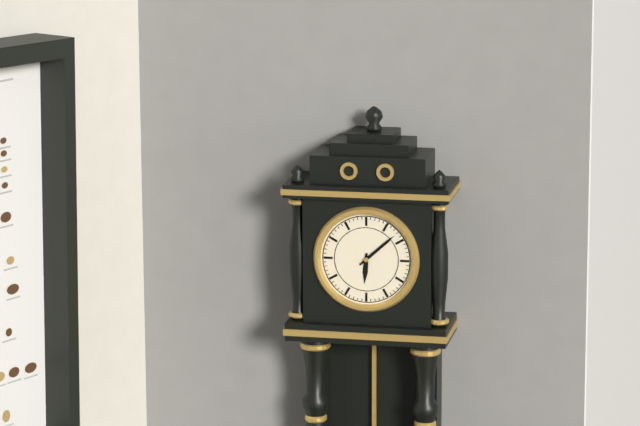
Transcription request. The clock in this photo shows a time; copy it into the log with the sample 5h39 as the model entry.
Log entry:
6h08
